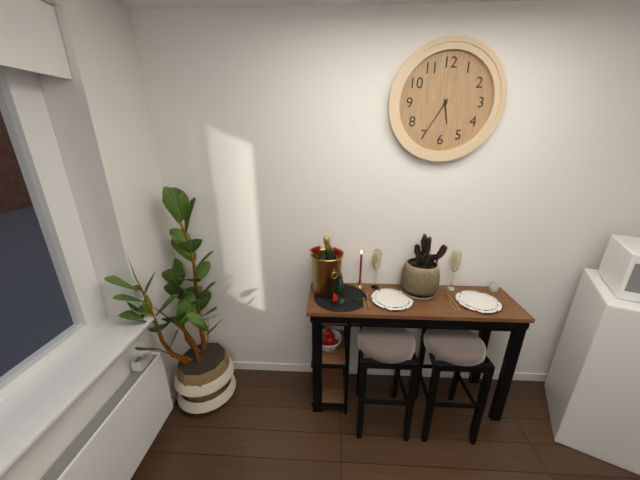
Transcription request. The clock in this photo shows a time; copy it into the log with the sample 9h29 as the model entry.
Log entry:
5h35
